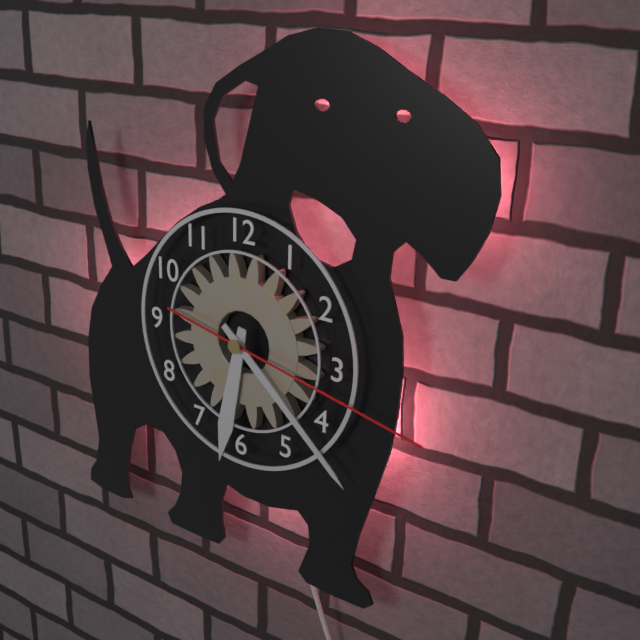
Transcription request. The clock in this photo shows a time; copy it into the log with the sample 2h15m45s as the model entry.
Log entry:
6h22m17s
